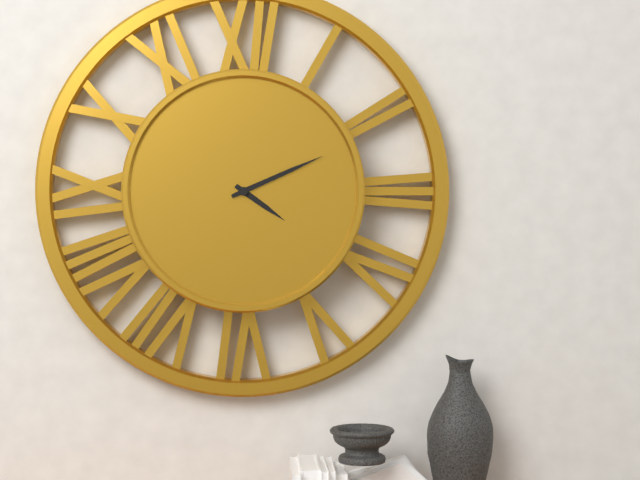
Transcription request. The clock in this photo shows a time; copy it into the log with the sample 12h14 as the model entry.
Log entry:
4h11
